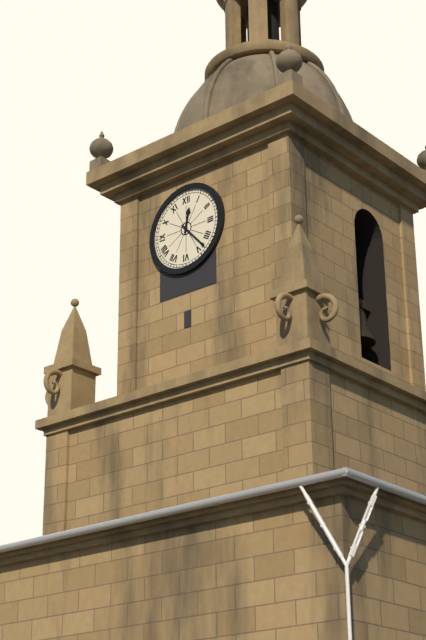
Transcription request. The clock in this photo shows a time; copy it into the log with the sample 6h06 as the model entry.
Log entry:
12h23
